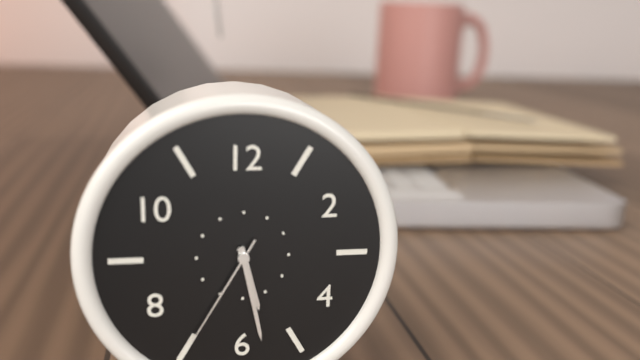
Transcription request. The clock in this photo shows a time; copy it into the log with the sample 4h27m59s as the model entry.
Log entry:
5h28m35s
